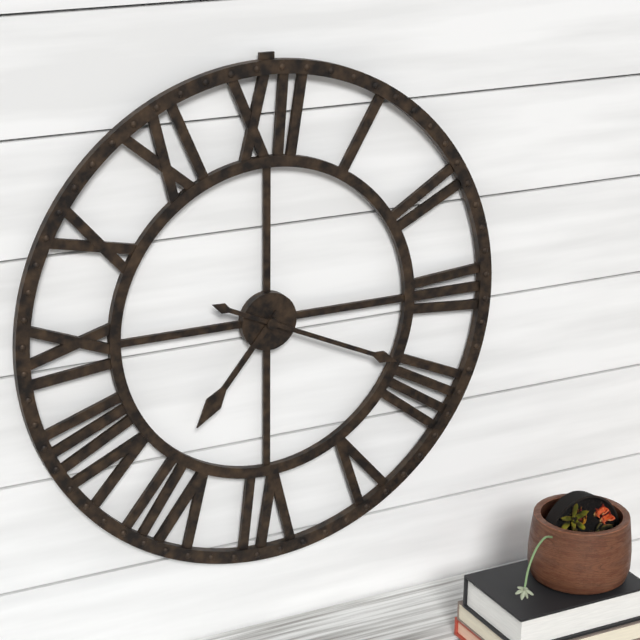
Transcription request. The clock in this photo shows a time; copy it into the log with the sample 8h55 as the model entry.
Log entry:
7h19
